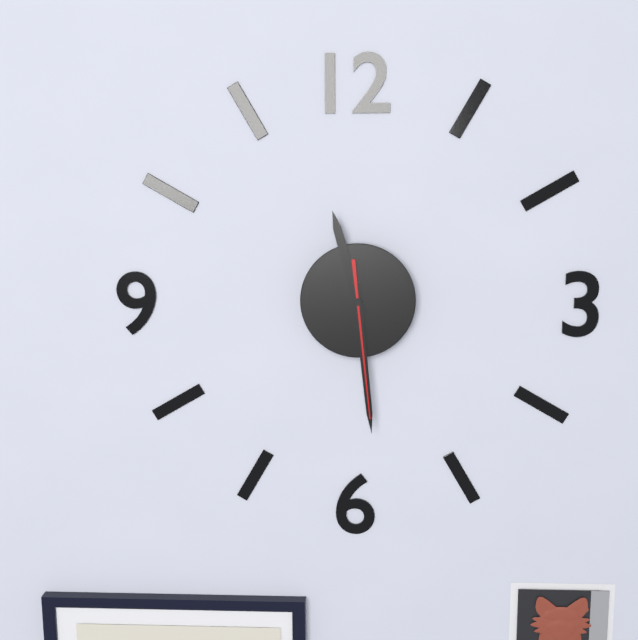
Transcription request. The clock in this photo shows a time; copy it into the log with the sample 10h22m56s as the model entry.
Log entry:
11h29m29s
